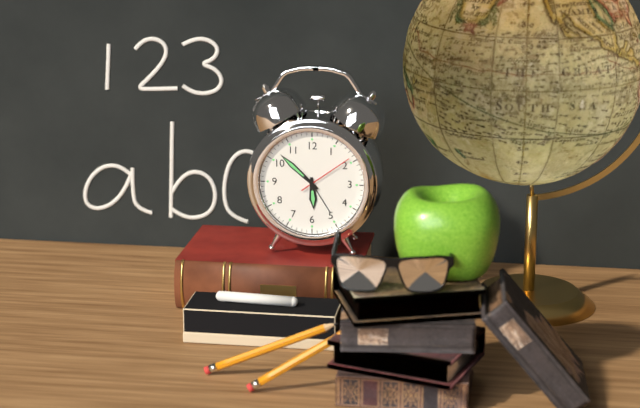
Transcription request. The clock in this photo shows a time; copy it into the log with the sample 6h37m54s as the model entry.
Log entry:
5h52m09s
